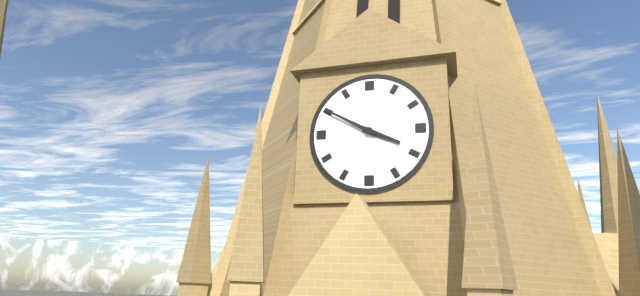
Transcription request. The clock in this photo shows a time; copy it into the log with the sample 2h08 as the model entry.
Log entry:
3h50
